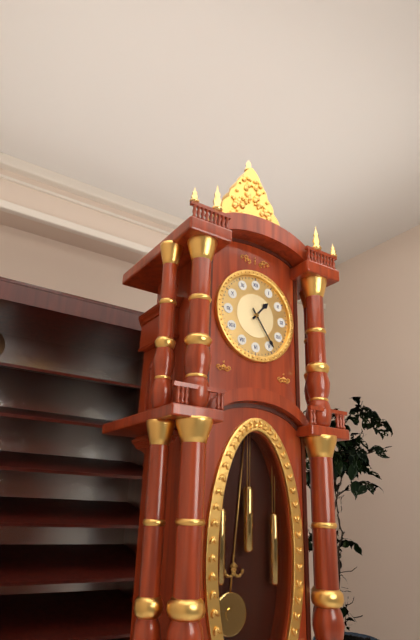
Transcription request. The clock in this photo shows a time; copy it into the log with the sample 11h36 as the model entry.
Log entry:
1h24
